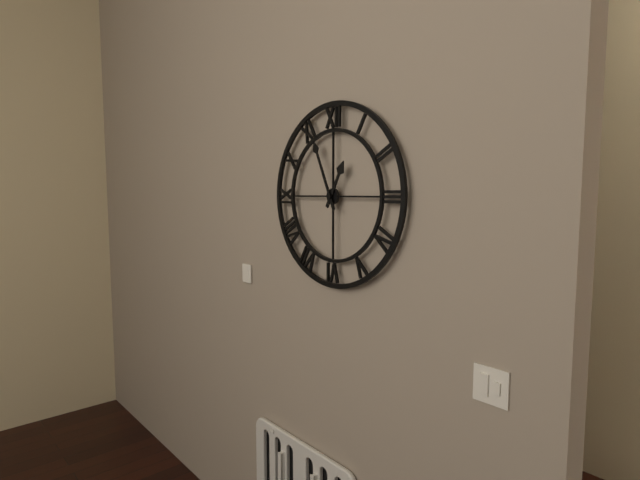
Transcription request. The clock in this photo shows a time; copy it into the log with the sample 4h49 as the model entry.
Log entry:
12h56
